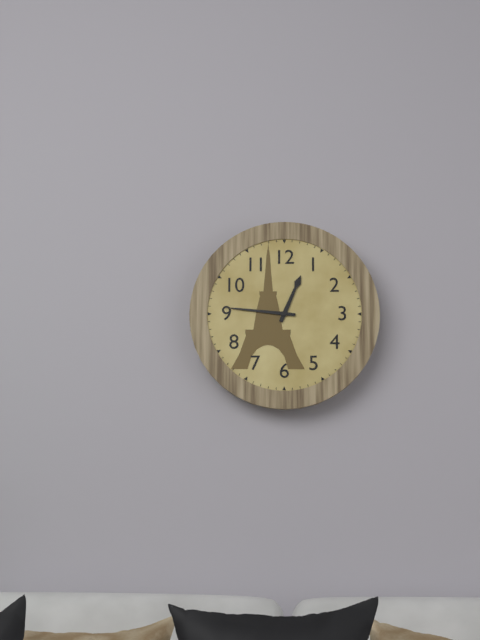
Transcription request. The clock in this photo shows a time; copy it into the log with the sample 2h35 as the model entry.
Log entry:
12h46
